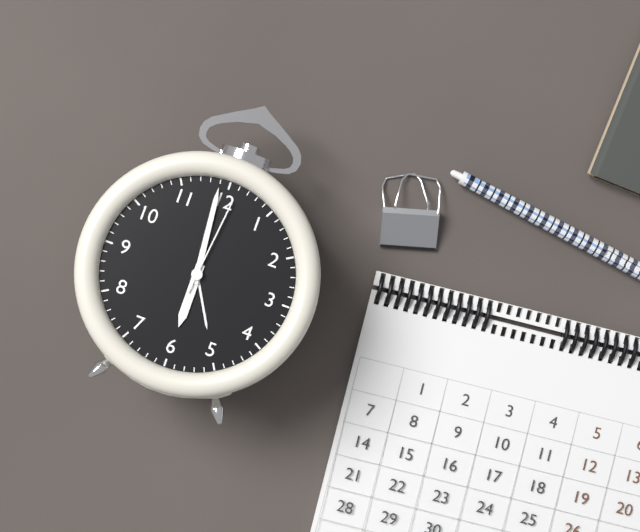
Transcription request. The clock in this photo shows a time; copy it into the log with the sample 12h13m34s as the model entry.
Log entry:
5h59m01s
